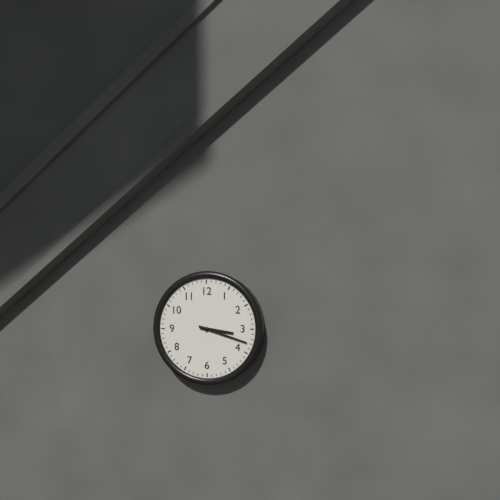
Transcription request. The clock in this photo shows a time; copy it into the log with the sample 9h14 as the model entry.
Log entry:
3h18
